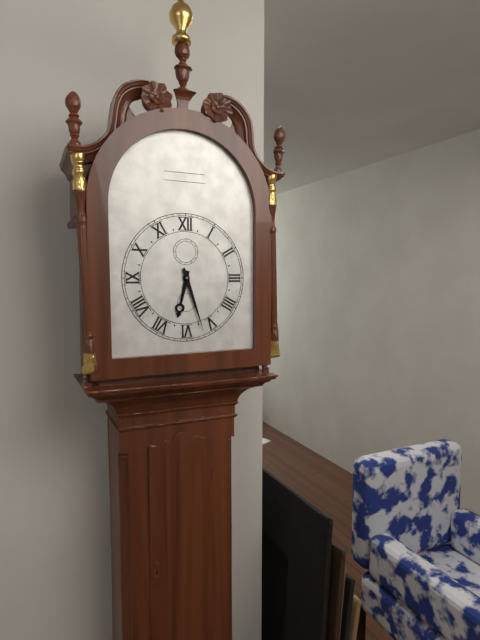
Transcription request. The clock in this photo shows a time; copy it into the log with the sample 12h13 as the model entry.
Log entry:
6h27
